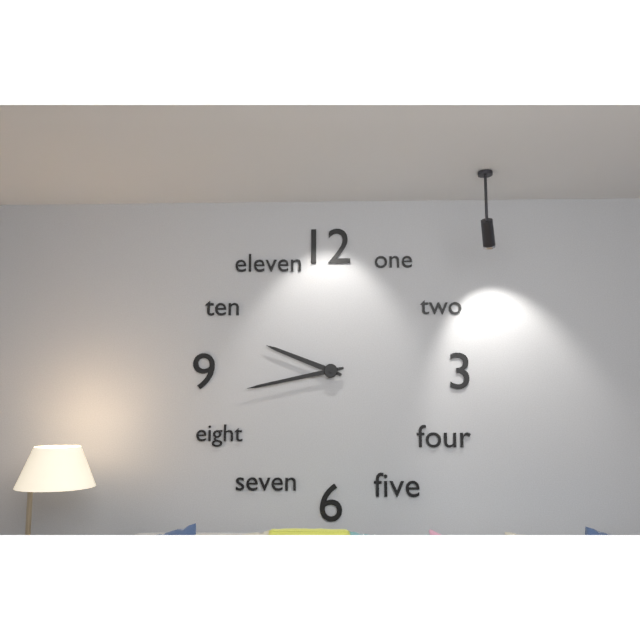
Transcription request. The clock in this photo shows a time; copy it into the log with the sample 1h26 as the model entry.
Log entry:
9h43
